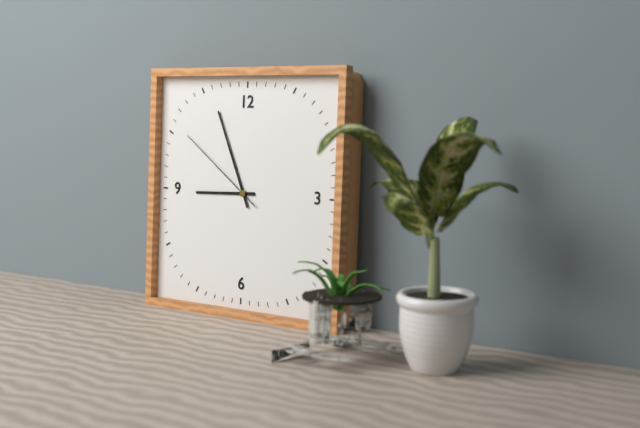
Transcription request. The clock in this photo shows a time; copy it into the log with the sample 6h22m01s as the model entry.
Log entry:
8h56m51s
